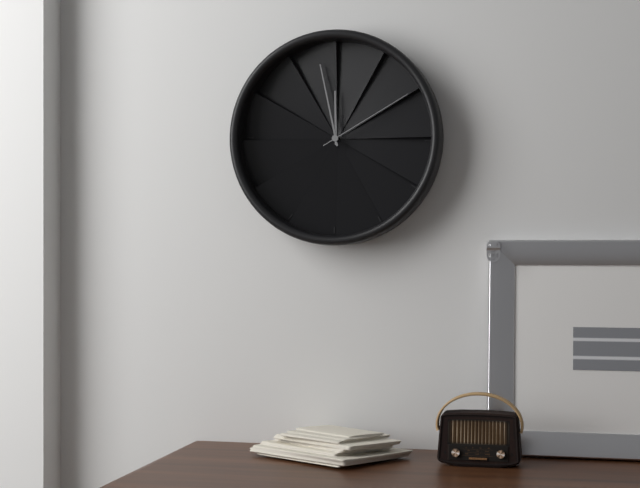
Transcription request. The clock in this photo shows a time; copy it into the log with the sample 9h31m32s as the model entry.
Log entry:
11h58m10s
